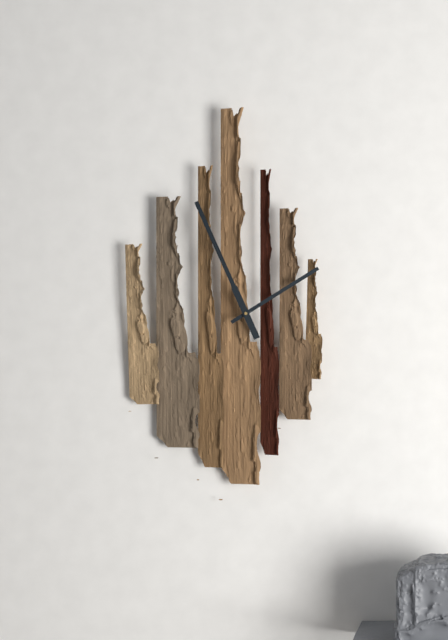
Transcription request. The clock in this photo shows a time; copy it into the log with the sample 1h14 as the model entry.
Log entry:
1h56
